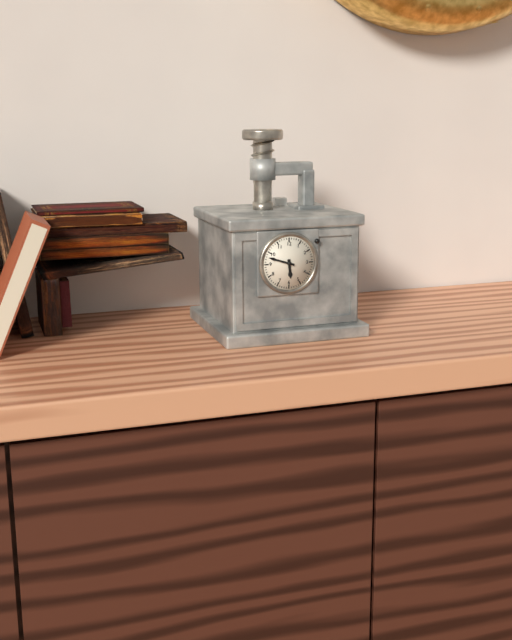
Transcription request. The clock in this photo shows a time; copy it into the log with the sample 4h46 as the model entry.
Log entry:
5h48
